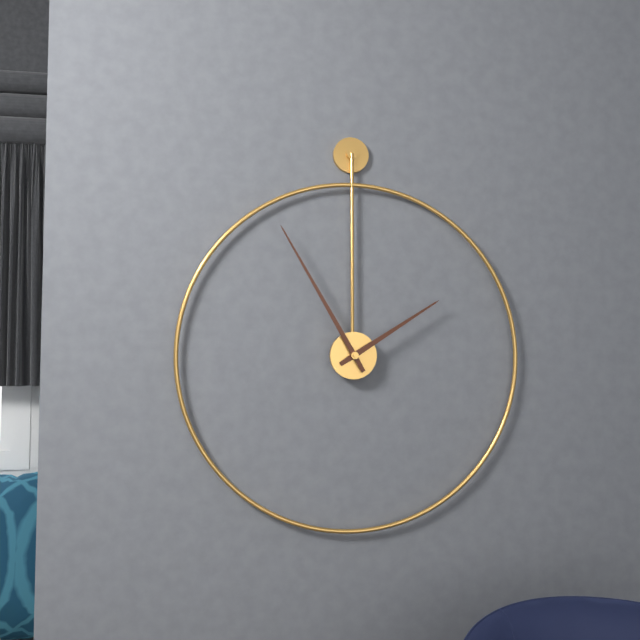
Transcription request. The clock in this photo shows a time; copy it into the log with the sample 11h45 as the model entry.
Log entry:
1h55
